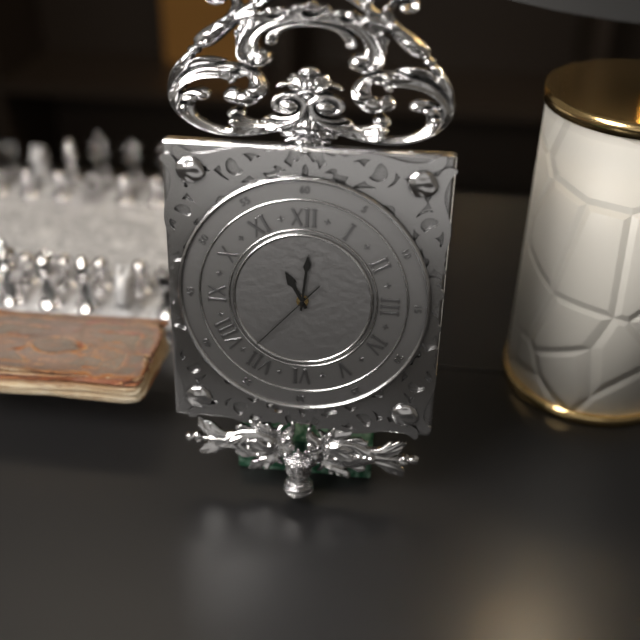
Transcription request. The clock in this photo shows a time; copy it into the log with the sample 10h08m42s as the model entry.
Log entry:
11h01m37s
